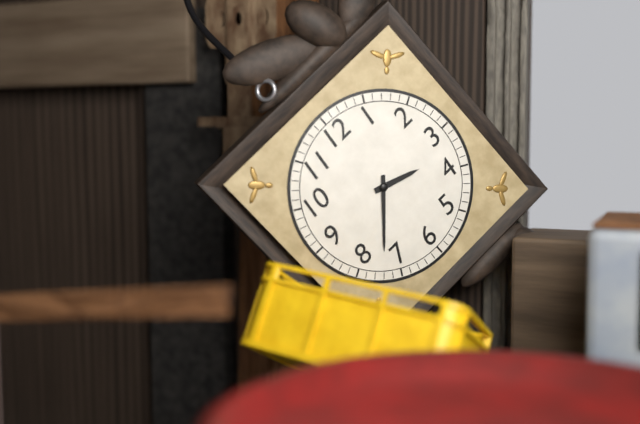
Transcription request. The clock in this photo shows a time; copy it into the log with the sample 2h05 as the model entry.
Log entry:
3h37
